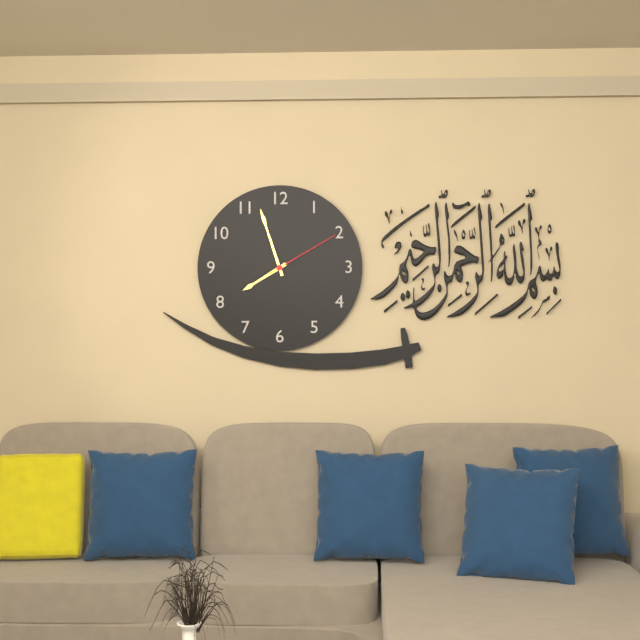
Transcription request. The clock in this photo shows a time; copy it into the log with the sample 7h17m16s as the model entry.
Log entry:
7h57m10s
